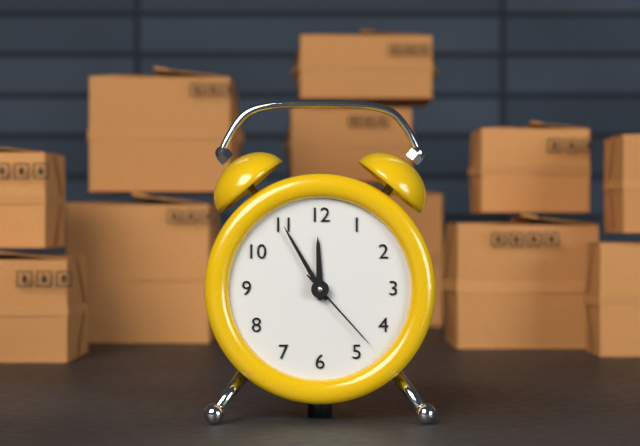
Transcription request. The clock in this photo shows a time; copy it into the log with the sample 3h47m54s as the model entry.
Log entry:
11h55m23s
